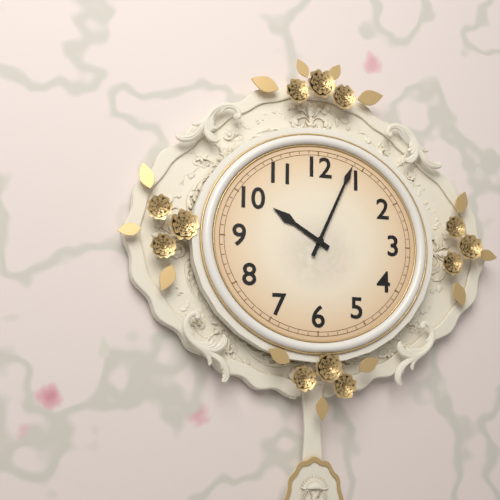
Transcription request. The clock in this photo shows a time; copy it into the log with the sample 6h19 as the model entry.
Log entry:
10h04
